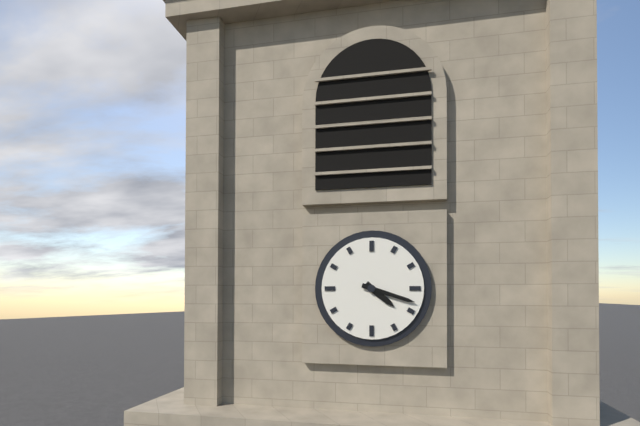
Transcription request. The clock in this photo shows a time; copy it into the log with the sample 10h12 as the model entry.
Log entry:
4h18
